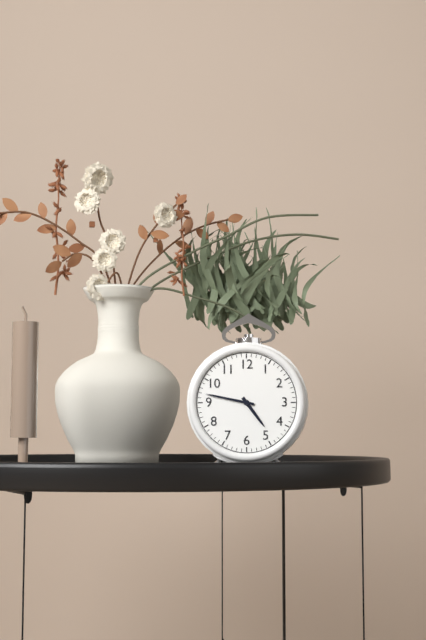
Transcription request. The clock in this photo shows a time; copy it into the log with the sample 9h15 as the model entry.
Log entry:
4h47
